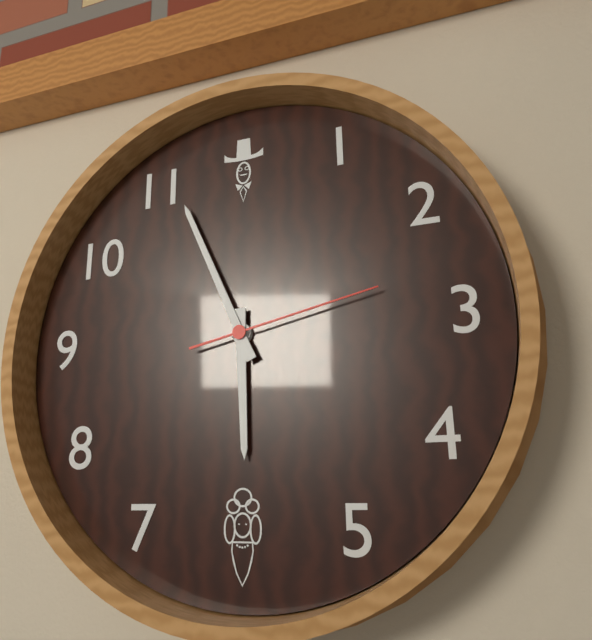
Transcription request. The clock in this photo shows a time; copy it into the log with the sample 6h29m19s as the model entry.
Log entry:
5h56m13s
